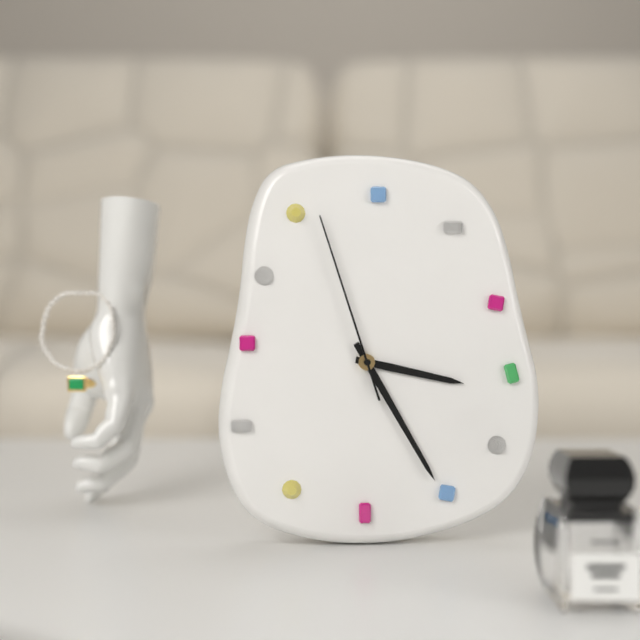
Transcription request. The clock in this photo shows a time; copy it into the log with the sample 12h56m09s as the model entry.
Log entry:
3h25m57s
